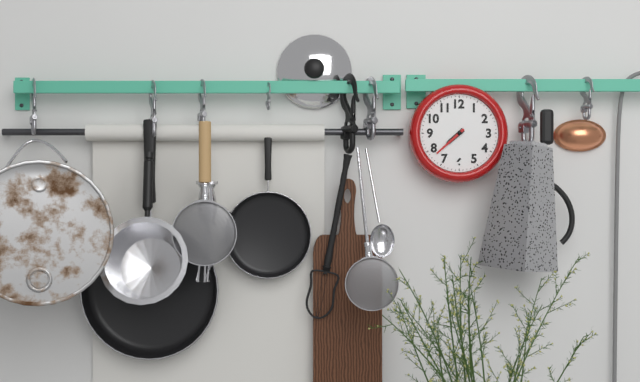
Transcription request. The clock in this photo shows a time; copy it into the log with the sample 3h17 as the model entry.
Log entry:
7h38
